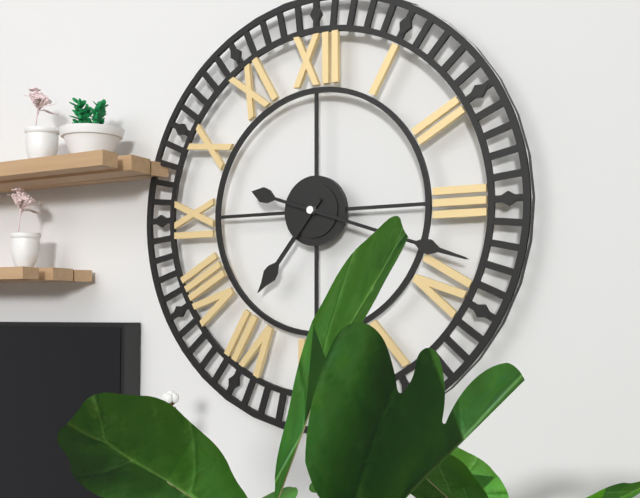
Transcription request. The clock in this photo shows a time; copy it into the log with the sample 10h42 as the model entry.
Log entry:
7h18
